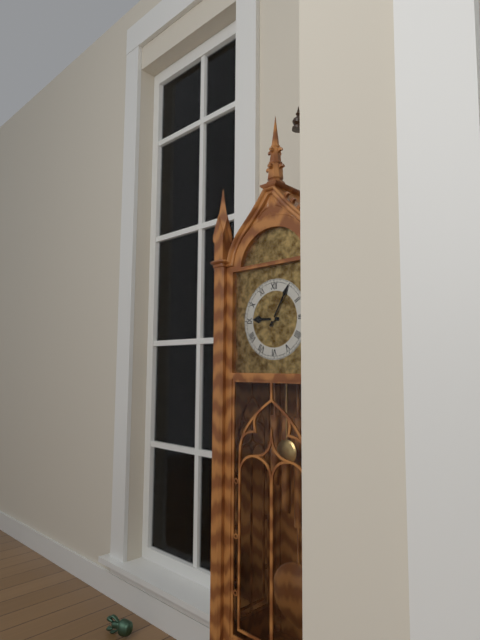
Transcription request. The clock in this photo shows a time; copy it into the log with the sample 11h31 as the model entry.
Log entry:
9h05
